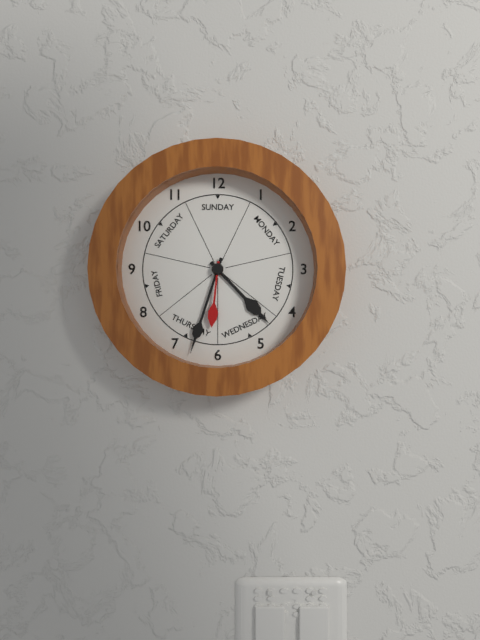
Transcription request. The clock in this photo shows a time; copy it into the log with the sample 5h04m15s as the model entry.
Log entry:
4h33m31s
